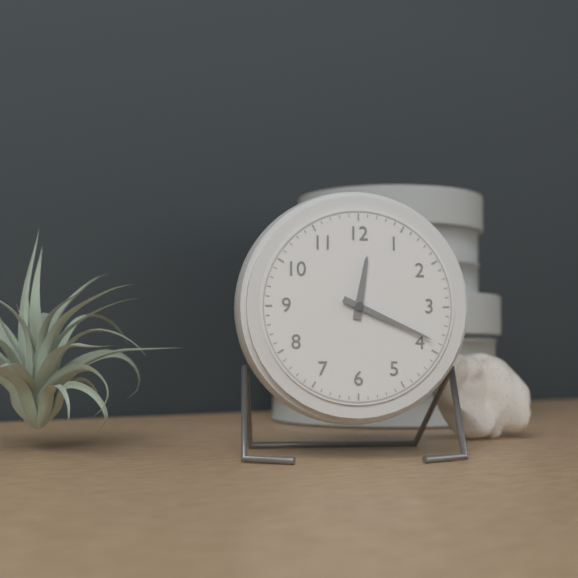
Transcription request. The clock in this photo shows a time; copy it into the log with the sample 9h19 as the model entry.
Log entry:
12h19
